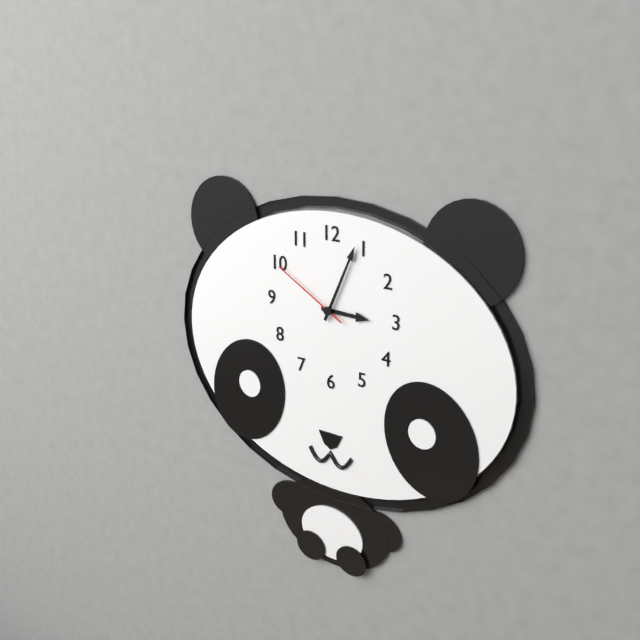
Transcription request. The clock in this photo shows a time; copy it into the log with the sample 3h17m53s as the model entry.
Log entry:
3h04m50s
